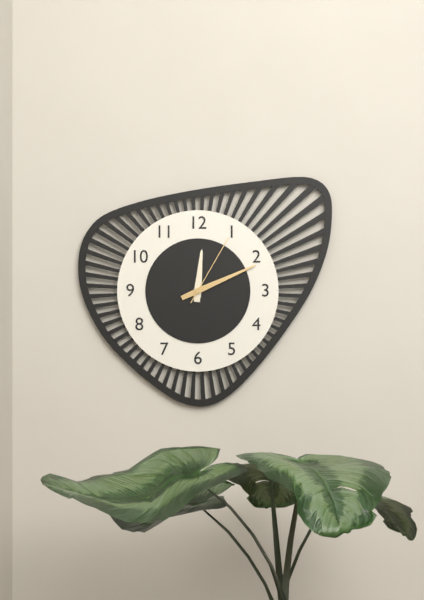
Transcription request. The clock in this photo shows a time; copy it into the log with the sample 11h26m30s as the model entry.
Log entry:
12h11m05s
